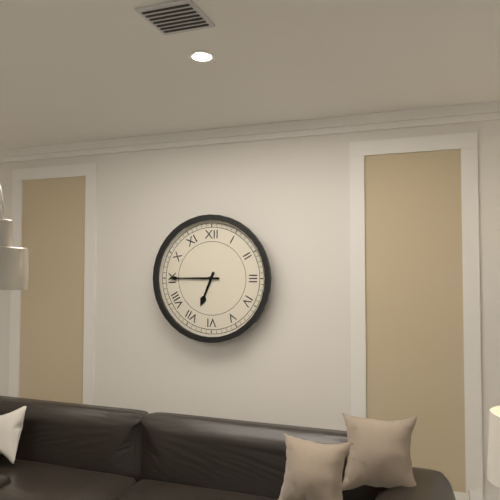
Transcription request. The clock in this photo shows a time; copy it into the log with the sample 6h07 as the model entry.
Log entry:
6h45
